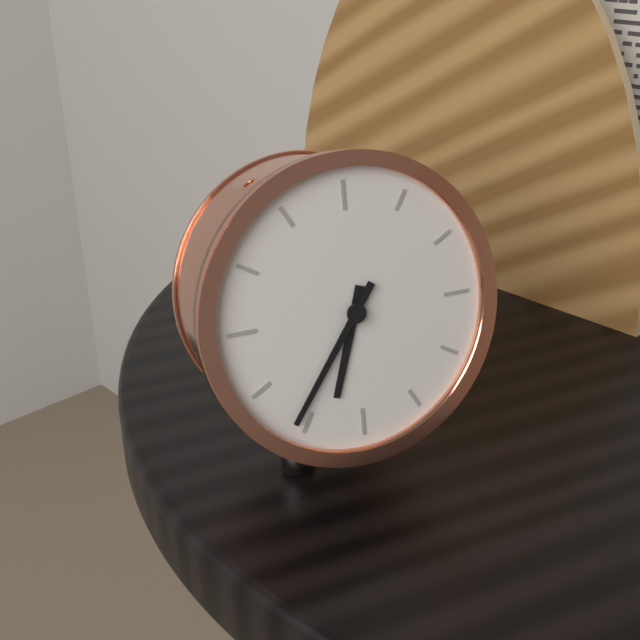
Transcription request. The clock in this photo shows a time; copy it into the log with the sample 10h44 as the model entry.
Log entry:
6h36
